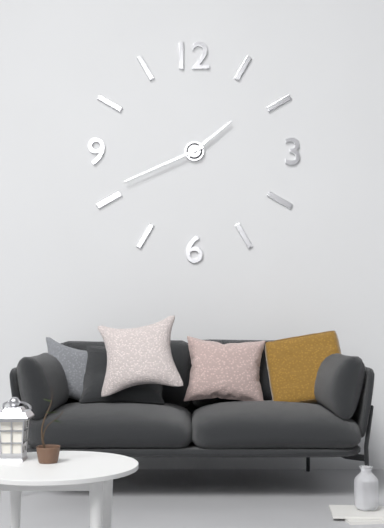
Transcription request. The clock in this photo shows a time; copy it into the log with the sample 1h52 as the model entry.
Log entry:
1h41
